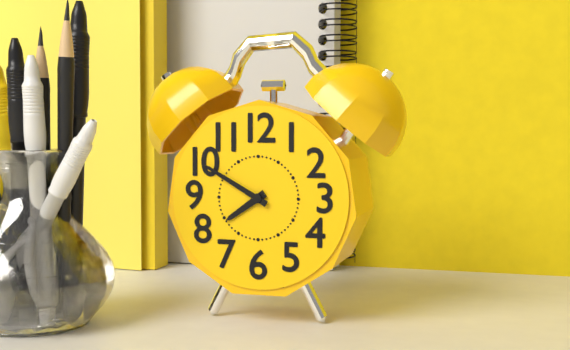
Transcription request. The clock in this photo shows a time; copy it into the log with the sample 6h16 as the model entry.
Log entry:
7h50
